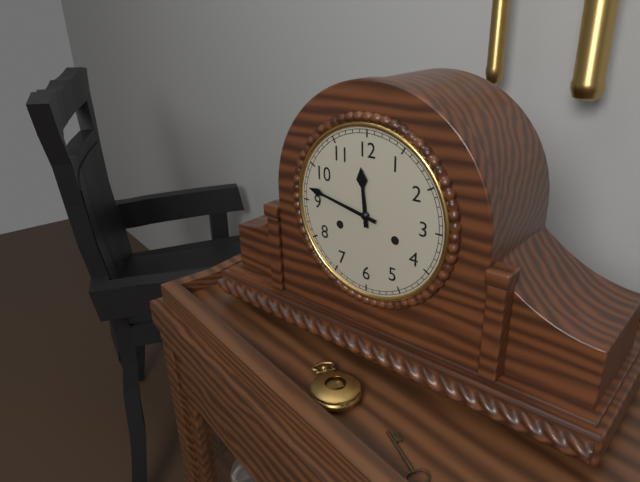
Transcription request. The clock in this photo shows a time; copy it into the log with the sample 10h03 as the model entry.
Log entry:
11h47
